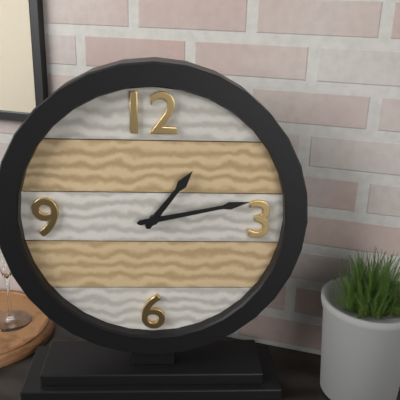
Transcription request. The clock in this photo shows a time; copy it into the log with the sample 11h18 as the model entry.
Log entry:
1h13
